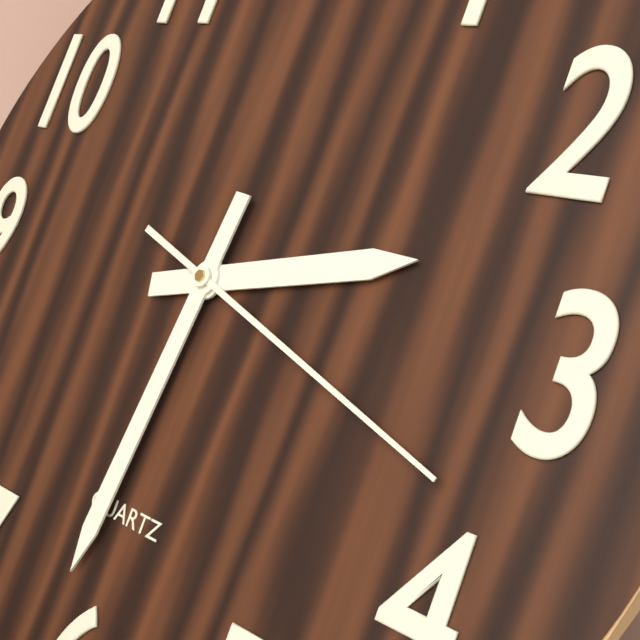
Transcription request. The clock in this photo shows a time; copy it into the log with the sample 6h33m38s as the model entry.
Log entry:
2h31m18s
